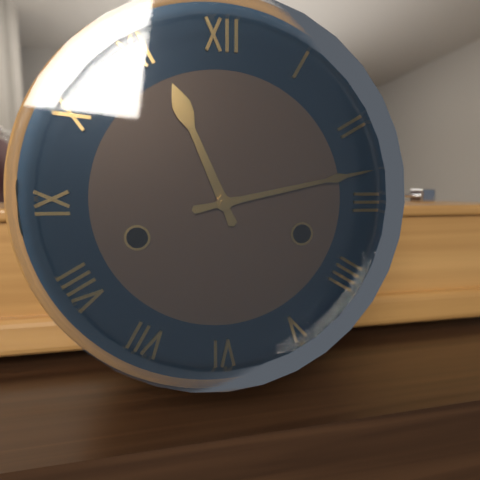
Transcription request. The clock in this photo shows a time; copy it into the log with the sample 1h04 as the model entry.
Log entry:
11h13
